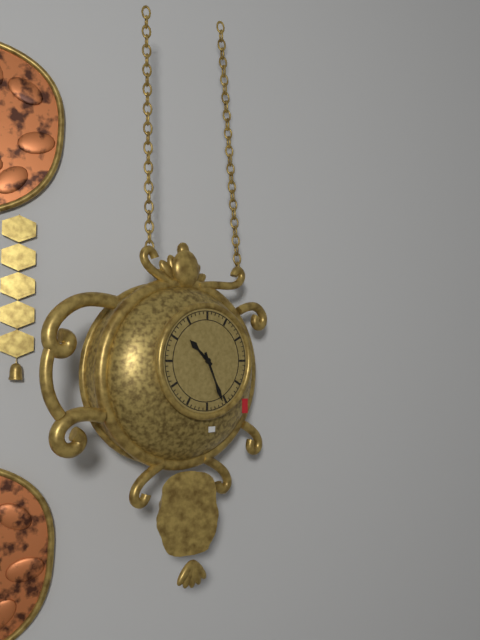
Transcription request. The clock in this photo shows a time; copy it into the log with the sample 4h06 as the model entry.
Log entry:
10h26
